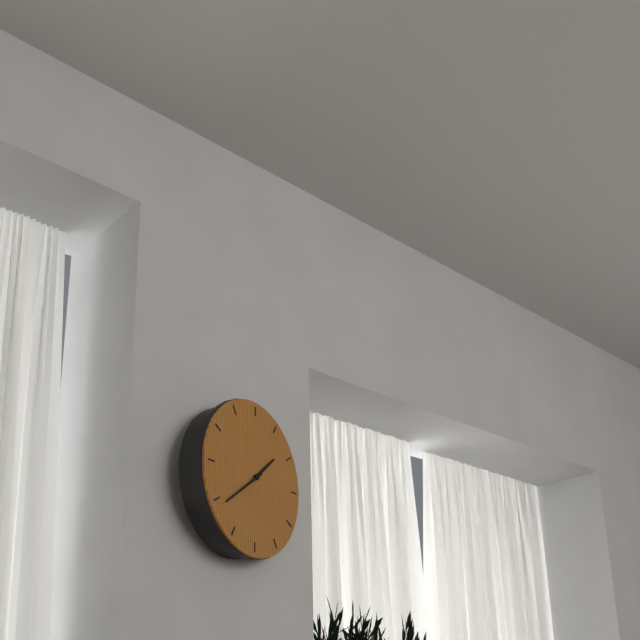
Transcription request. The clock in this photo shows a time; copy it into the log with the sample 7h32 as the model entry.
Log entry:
1h39
